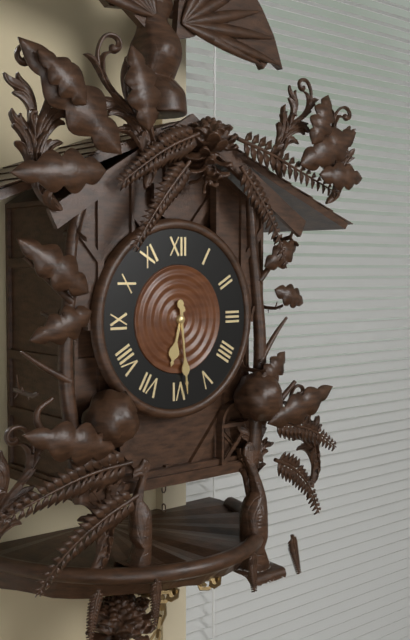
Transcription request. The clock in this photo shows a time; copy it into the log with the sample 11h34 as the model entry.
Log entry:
6h29
